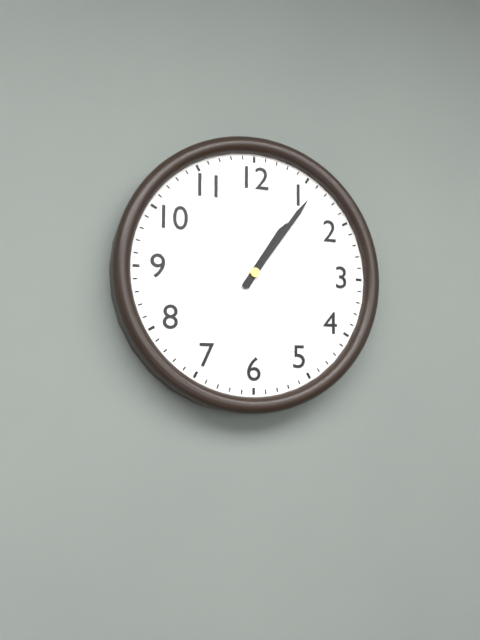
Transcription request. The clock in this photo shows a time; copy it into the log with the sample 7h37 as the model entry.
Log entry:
1h06
